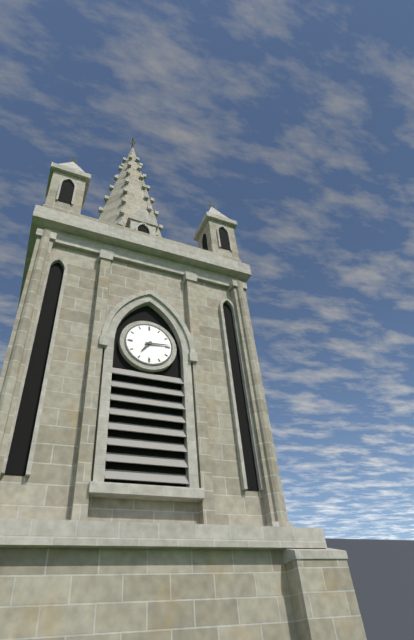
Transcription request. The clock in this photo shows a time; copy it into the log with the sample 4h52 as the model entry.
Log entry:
7h14
